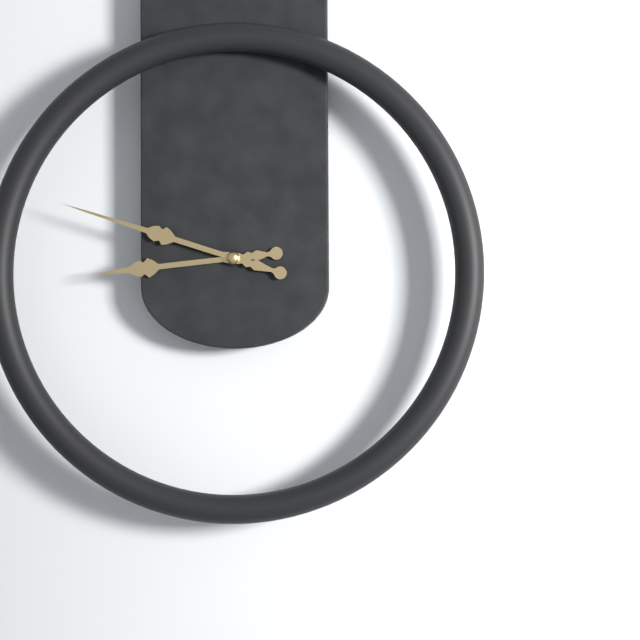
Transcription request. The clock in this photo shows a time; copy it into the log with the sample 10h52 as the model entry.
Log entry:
8h48
